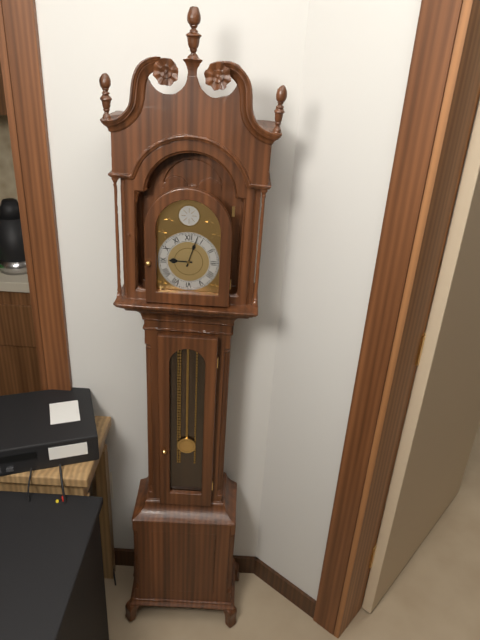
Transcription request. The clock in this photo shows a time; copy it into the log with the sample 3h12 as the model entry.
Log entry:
9h03
